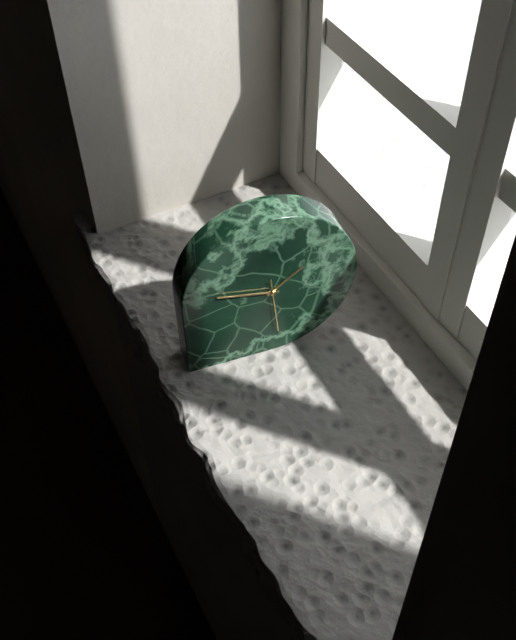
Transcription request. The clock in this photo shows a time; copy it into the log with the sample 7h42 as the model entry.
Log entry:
1h47
